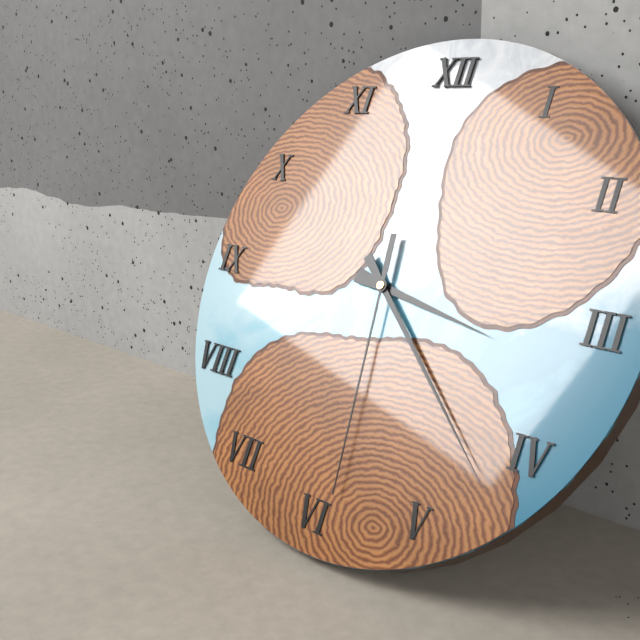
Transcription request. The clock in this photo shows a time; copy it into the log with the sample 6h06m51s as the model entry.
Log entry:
3h22m29s
